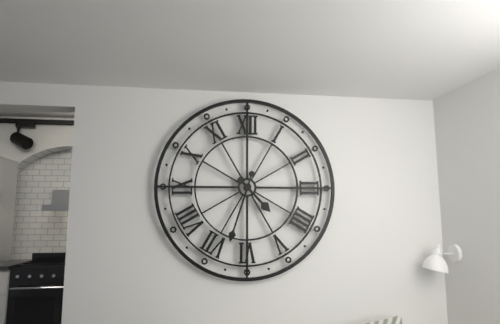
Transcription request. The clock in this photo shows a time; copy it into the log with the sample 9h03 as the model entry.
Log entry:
4h33
